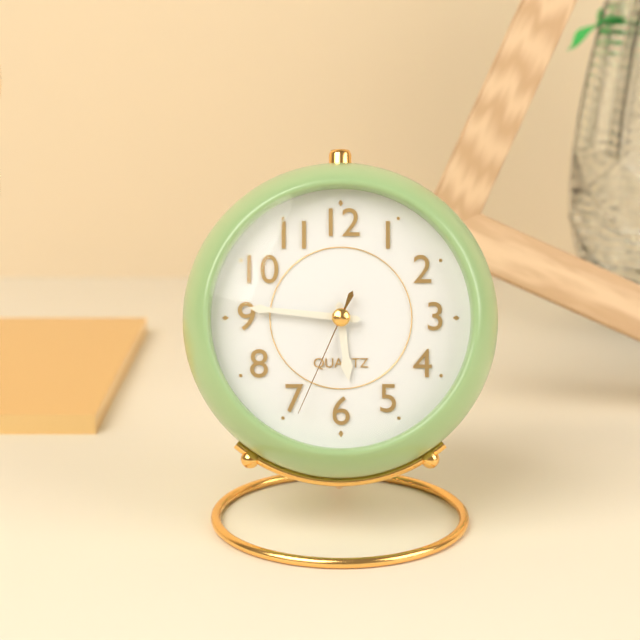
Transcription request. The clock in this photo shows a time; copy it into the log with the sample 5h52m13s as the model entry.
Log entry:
5h46m34s
